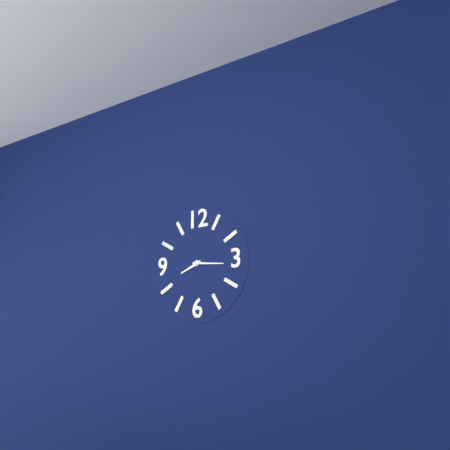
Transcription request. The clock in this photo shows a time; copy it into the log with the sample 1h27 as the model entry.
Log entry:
8h16
